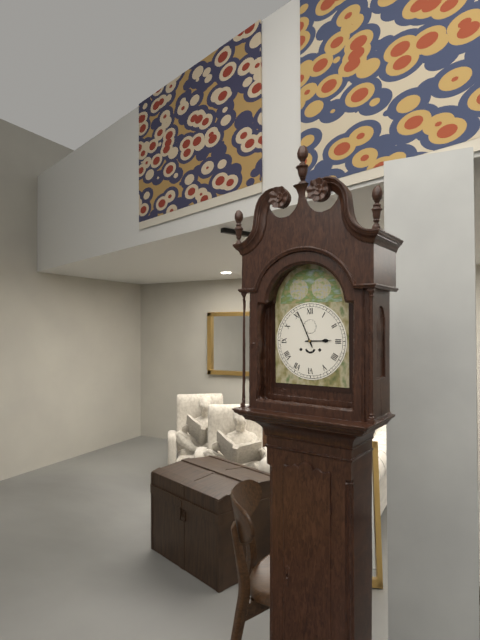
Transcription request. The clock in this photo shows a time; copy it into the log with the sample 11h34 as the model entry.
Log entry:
2h56
